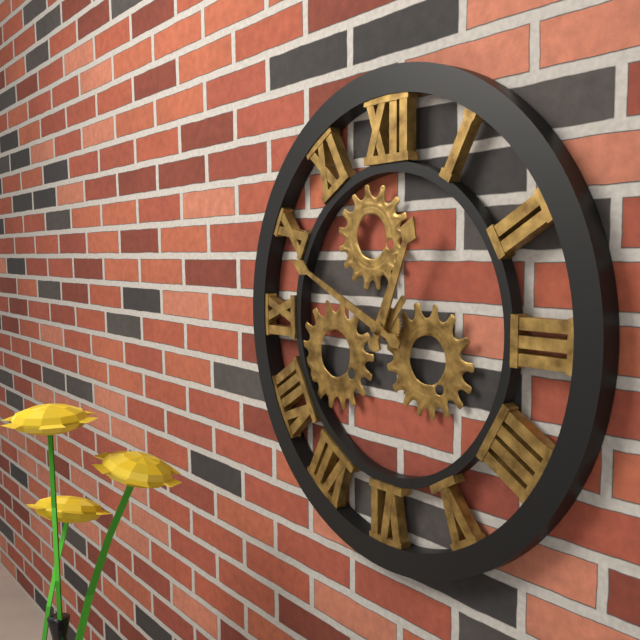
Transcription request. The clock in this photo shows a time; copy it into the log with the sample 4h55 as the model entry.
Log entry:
12h49
